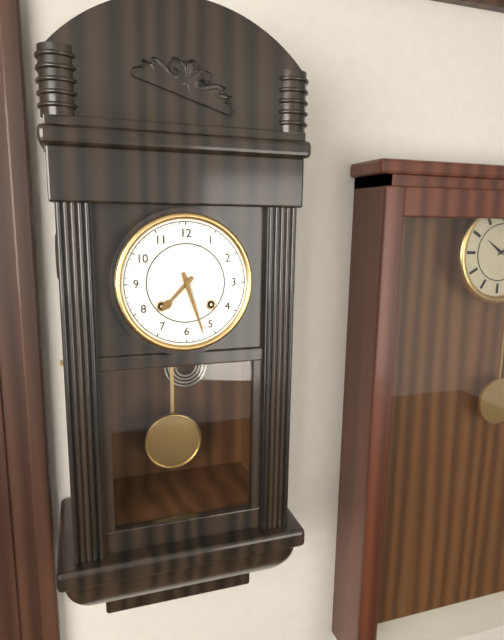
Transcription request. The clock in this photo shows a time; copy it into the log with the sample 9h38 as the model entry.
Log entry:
7h27
